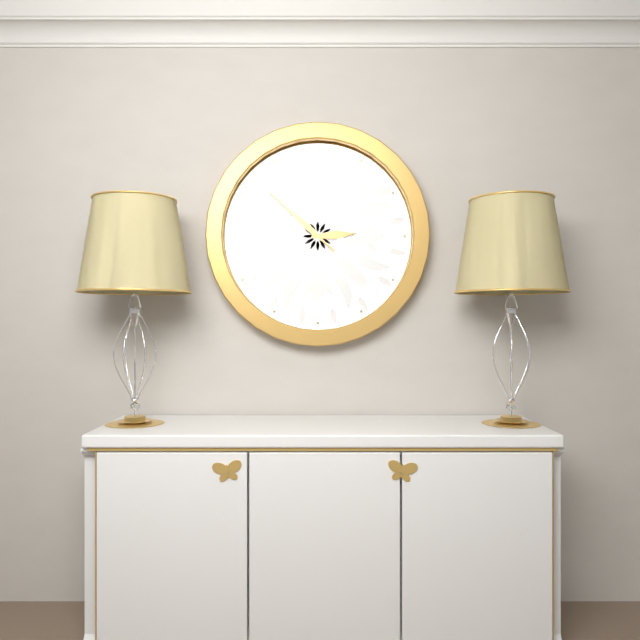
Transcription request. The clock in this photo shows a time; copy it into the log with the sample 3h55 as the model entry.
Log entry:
2h52
